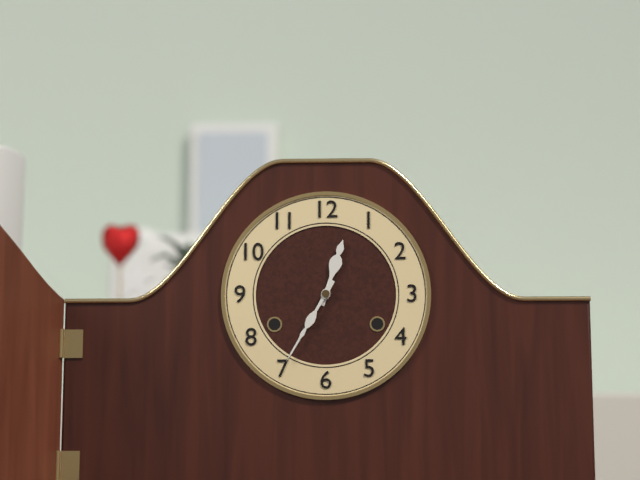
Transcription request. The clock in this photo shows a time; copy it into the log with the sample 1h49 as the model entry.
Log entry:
12h35
